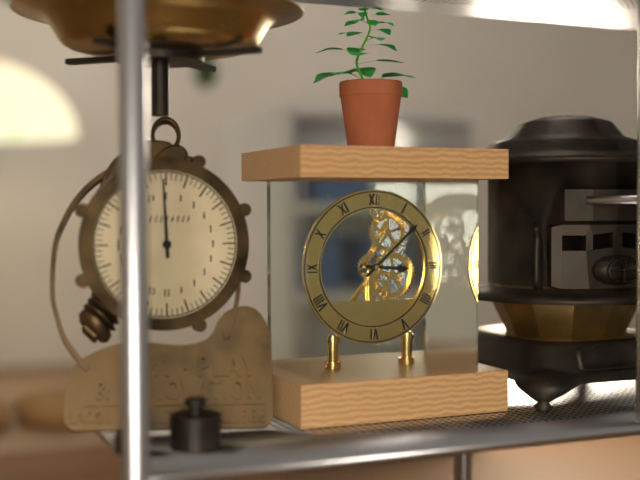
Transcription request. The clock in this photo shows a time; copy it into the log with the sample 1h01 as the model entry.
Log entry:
3h08
